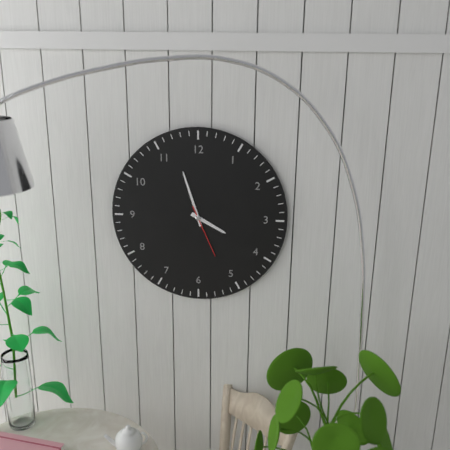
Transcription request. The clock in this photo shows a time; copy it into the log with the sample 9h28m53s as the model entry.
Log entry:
3h57m26s
